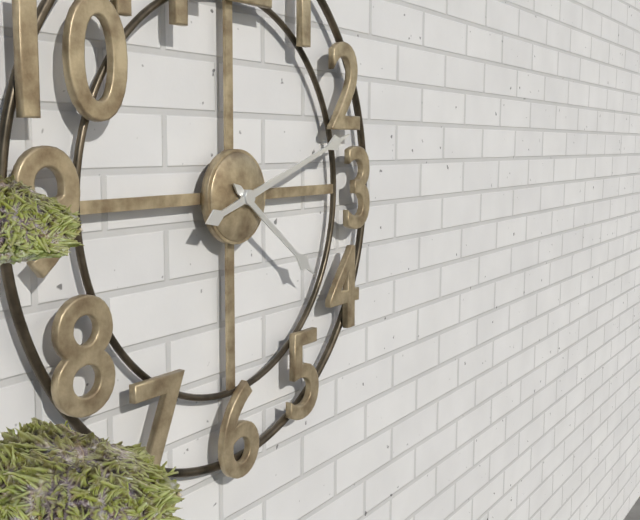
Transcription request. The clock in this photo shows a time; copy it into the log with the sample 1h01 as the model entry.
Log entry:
4h12
